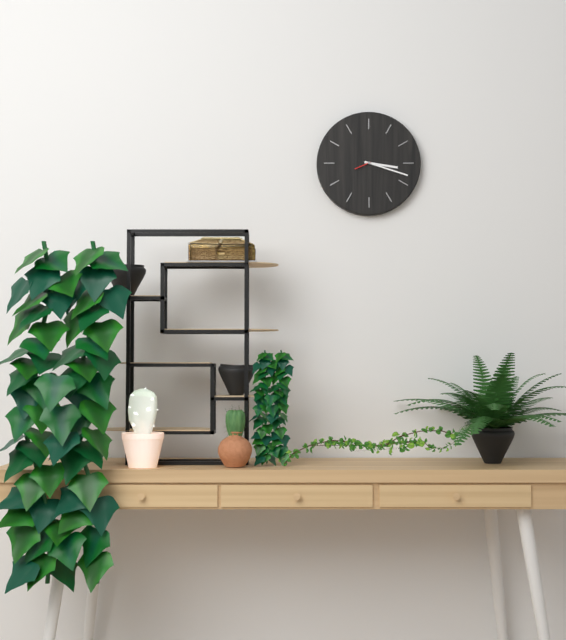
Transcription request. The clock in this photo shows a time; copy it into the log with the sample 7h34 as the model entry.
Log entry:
3h18
